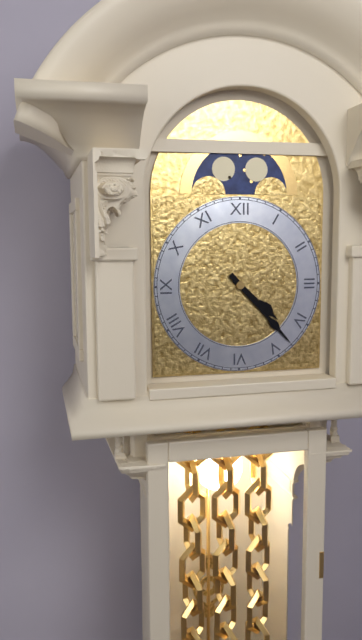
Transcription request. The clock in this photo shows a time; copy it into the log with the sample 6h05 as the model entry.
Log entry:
4h23
